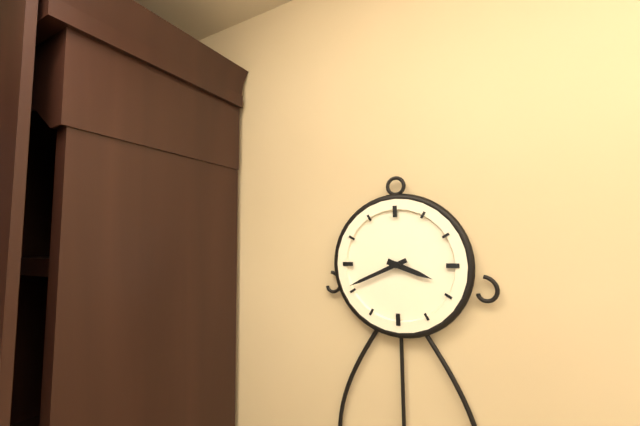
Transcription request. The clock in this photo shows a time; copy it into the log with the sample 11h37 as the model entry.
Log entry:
3h41
